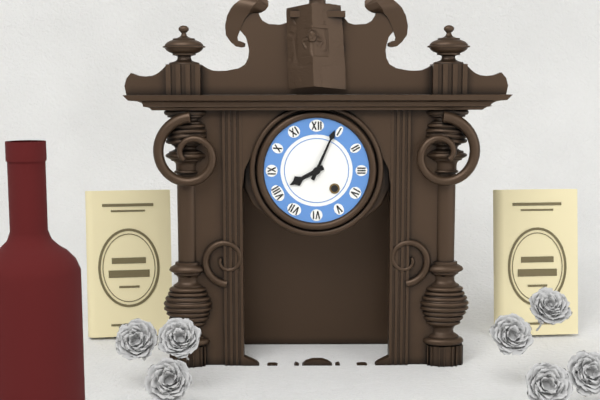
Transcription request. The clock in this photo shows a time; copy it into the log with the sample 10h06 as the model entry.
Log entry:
8h04
